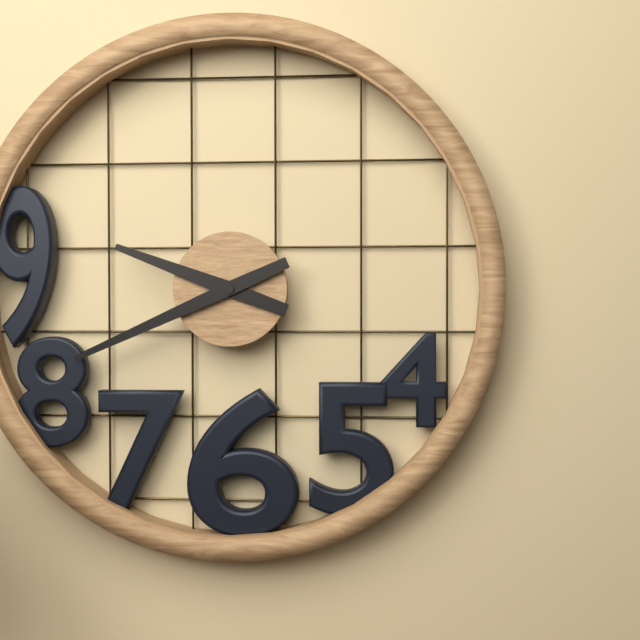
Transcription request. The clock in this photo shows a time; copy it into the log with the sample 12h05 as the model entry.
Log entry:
9h41
